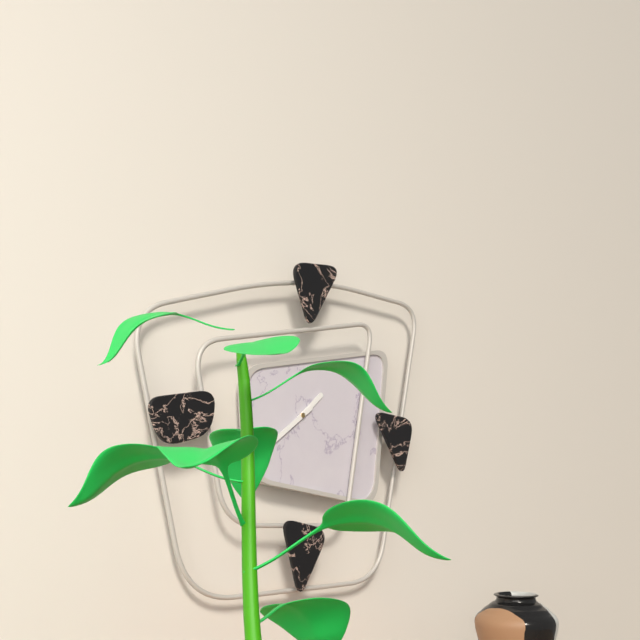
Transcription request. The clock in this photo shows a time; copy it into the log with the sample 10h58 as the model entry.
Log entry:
1h39
